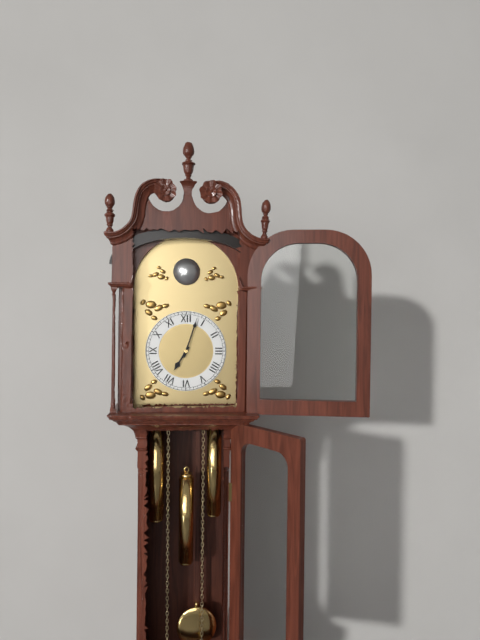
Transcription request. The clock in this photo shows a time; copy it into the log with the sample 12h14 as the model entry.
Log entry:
7h03
